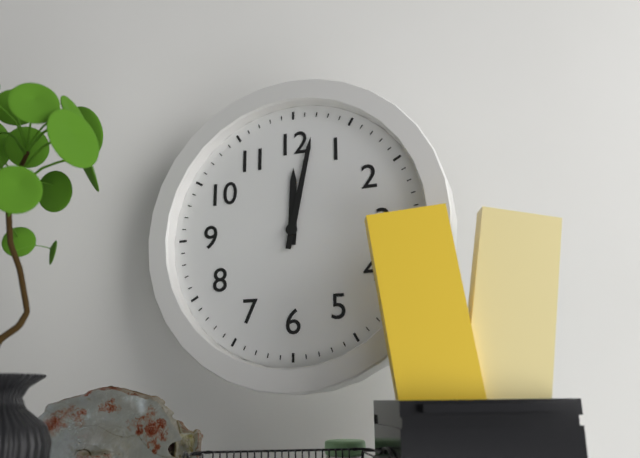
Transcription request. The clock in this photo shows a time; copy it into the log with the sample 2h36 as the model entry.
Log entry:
12h02
